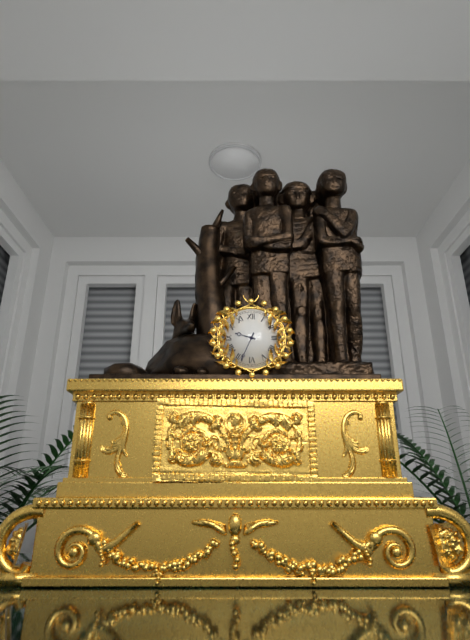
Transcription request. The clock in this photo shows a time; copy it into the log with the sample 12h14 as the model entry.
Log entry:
9h34
